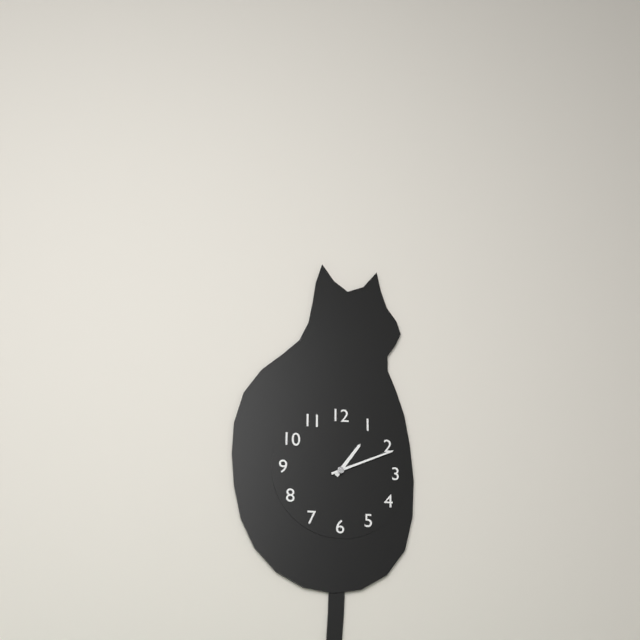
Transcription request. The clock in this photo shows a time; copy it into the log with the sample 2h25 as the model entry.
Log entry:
1h11
